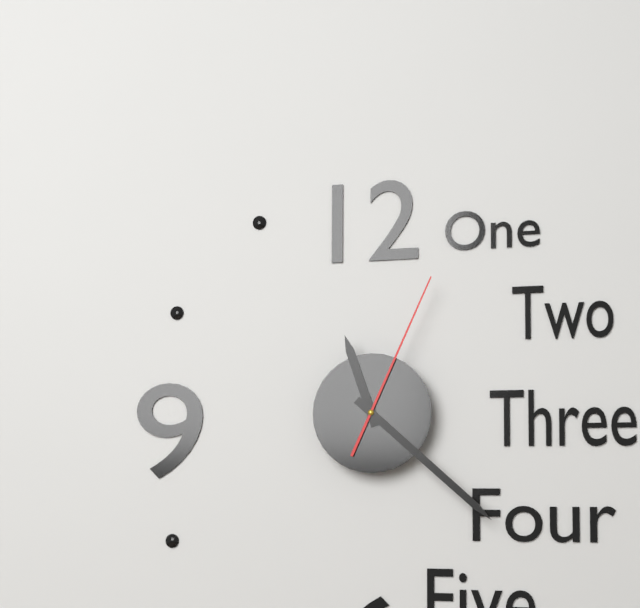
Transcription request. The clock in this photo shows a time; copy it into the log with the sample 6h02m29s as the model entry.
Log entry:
11h22m04s
